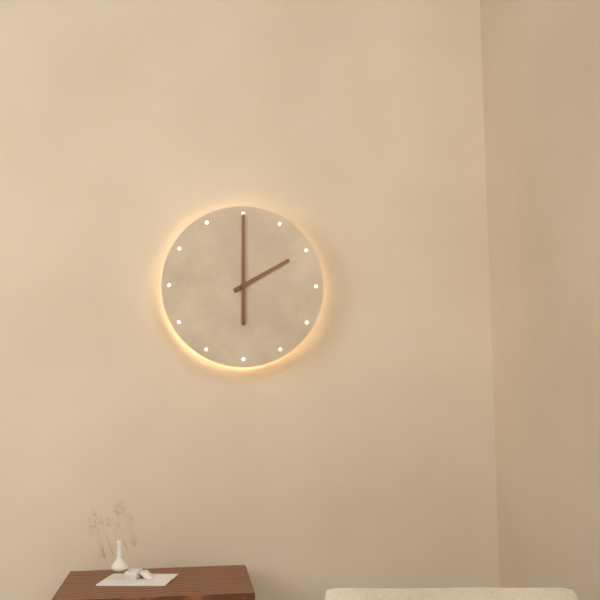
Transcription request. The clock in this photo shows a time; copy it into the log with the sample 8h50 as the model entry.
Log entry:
2h00
